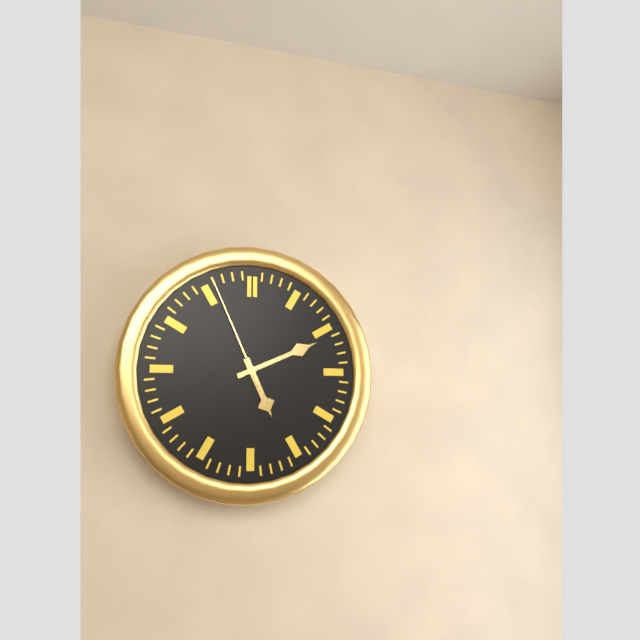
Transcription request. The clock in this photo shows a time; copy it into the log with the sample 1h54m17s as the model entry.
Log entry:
5h11m56s
